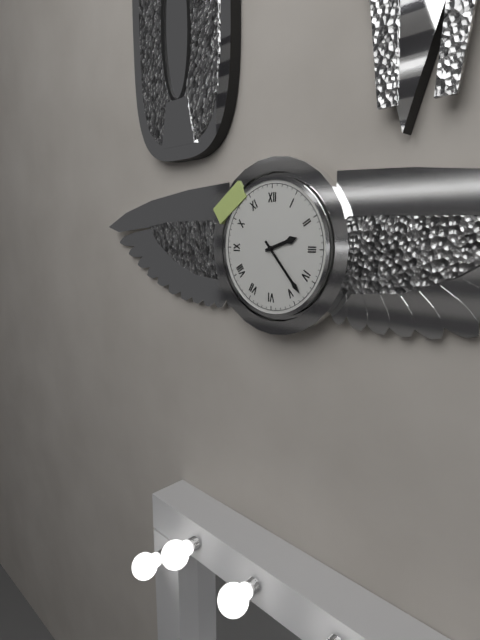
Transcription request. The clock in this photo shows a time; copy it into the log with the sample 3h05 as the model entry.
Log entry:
2h23
